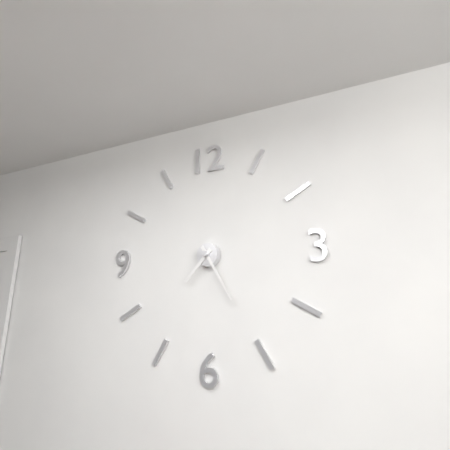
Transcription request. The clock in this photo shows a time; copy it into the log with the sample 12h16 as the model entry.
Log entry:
7h25
